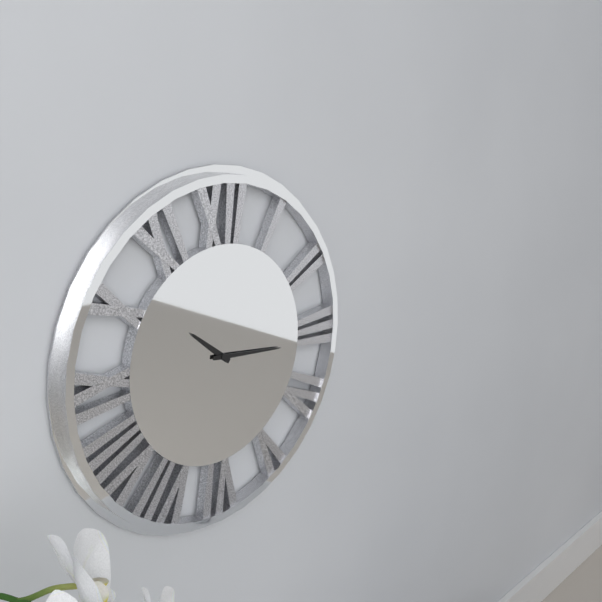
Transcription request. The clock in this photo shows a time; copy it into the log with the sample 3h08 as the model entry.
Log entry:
10h16
